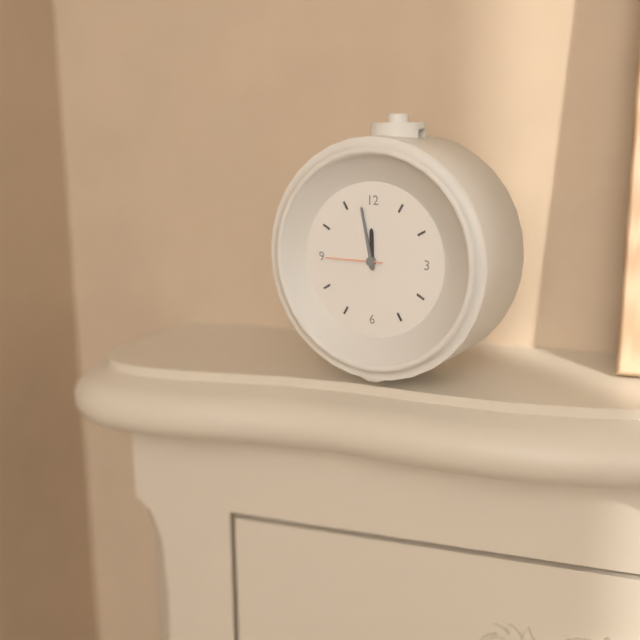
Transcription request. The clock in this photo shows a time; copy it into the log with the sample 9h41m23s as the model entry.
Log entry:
11h58m45s
